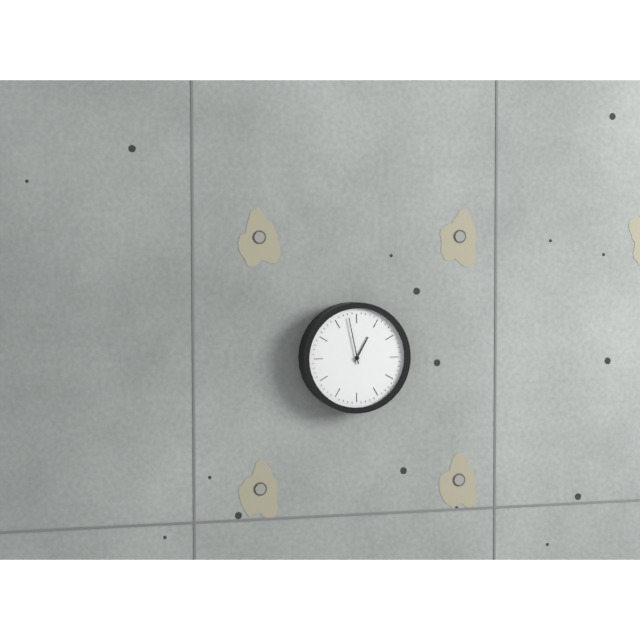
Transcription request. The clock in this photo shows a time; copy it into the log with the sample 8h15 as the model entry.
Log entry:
12h58
